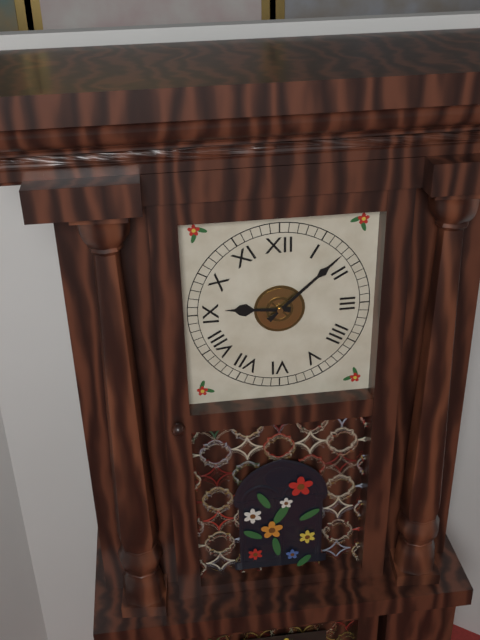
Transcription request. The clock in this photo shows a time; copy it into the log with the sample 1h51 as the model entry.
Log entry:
9h08
